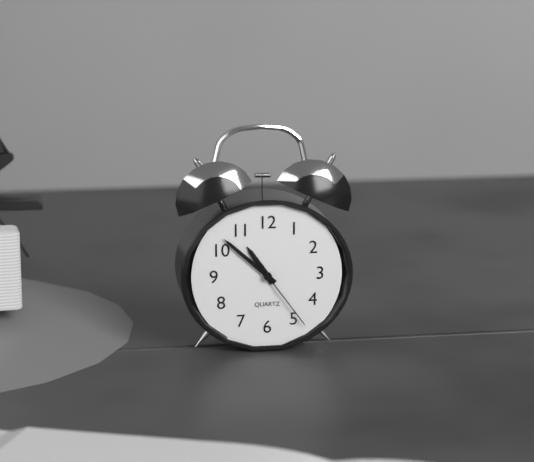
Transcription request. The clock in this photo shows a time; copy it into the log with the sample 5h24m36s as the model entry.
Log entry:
10h52m24s
